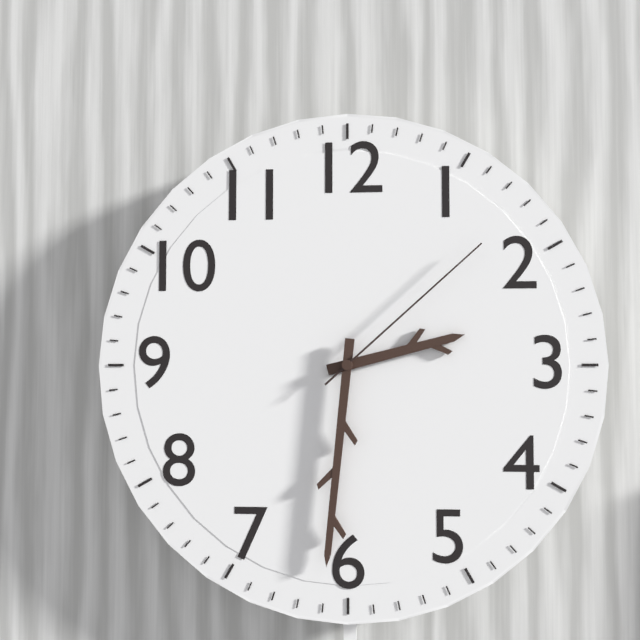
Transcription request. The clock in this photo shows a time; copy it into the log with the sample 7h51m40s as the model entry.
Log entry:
2h31m08s
